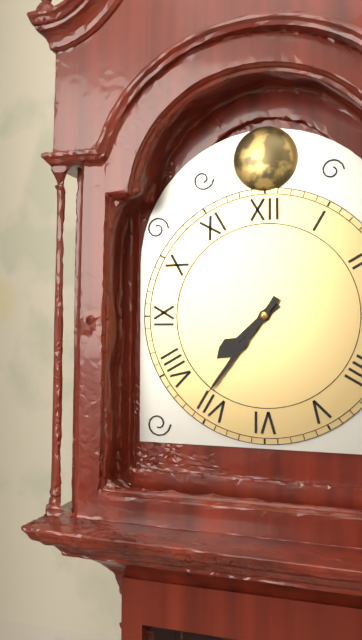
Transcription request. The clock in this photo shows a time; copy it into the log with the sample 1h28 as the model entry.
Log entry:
7h36
